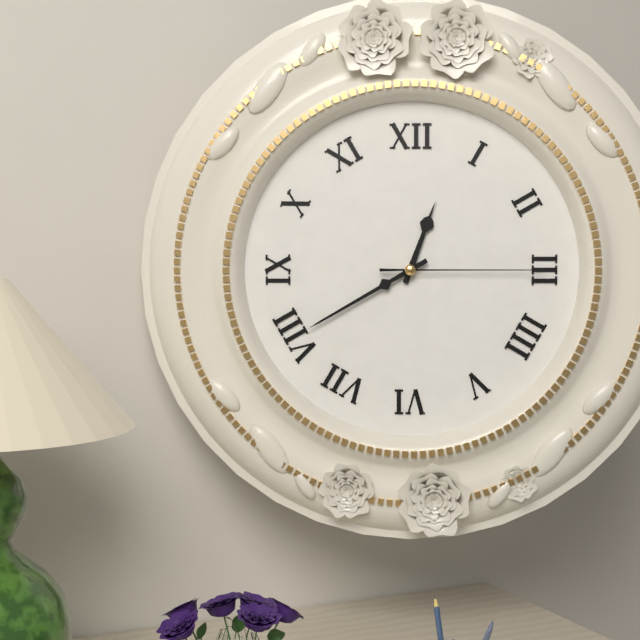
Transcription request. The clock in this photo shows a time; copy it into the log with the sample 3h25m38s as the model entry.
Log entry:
12h40m15s
